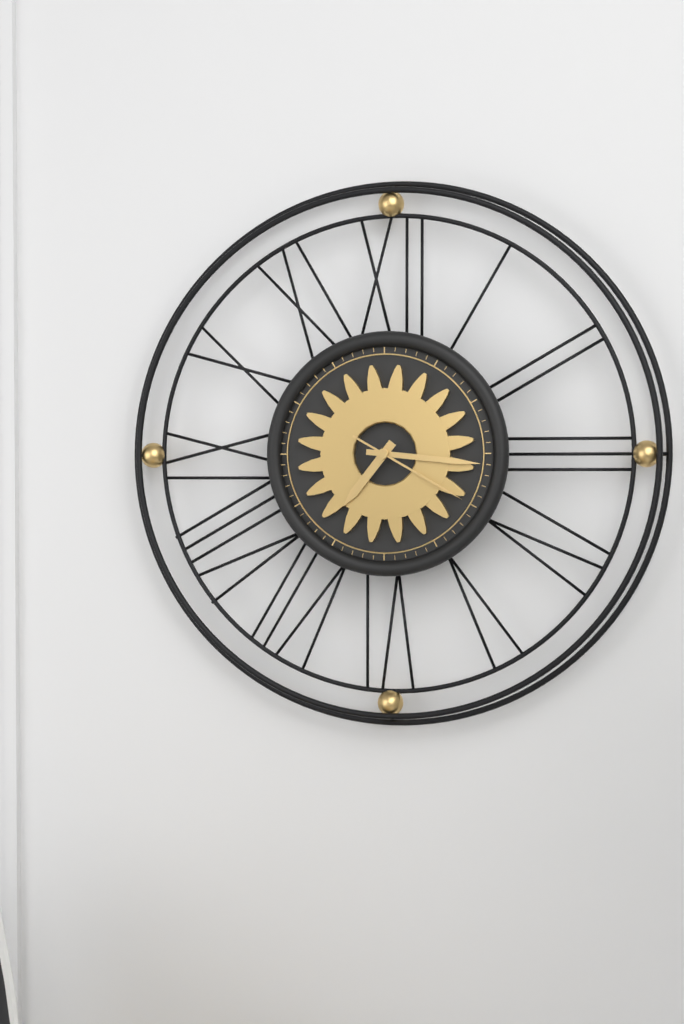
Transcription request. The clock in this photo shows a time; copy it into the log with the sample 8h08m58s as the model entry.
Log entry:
7h16m20s
